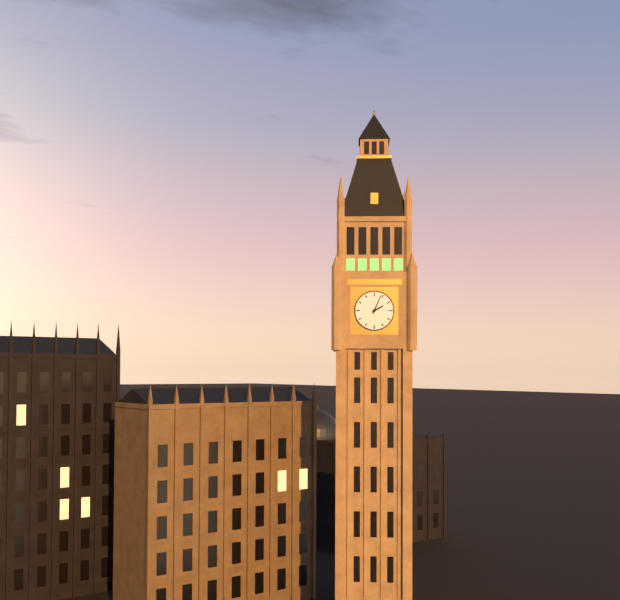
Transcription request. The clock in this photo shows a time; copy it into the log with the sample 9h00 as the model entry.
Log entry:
2h04
